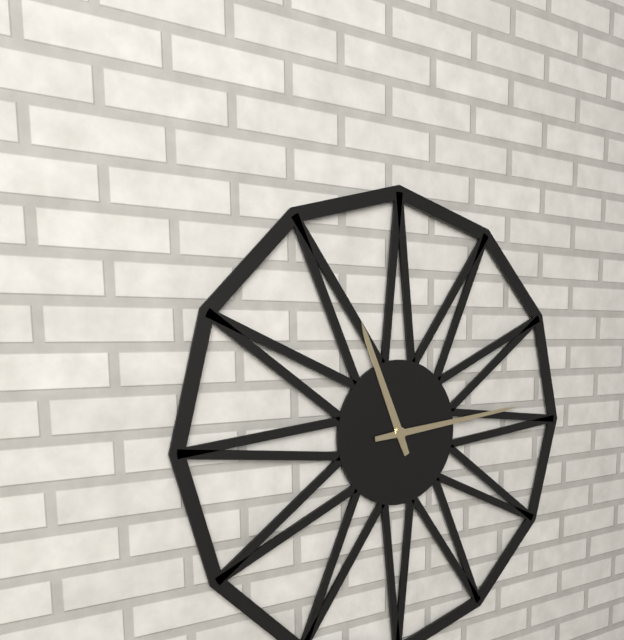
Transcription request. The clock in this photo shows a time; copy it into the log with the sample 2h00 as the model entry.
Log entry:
11h14
